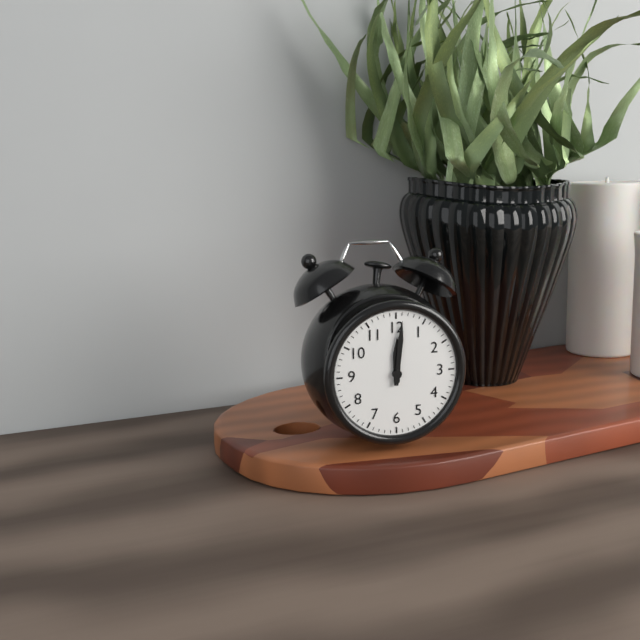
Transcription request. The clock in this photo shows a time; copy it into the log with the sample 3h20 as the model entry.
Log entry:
12h01
